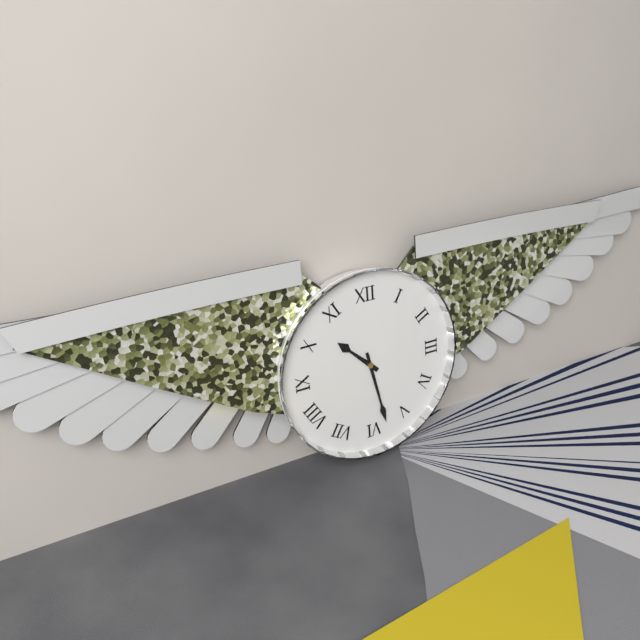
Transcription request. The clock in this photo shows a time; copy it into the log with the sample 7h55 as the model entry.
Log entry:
10h28
